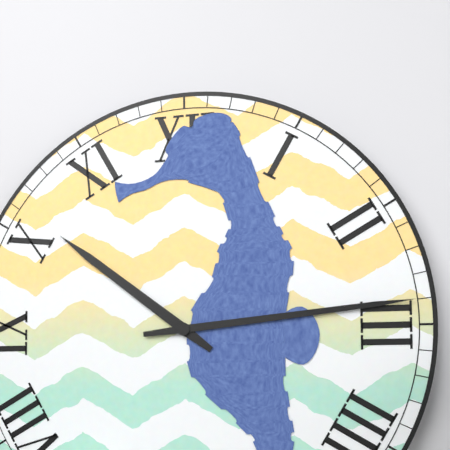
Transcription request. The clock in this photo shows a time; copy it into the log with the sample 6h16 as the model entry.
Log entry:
10h14
